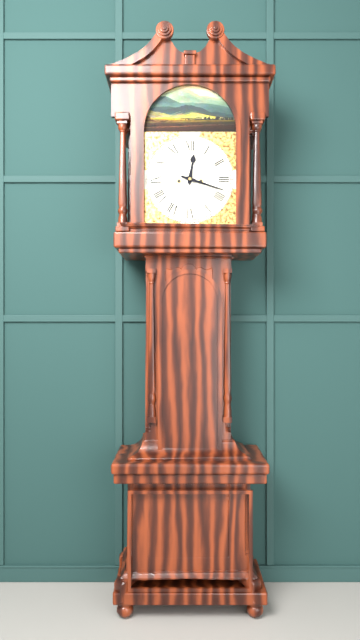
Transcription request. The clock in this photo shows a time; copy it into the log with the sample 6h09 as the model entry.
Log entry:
12h18
